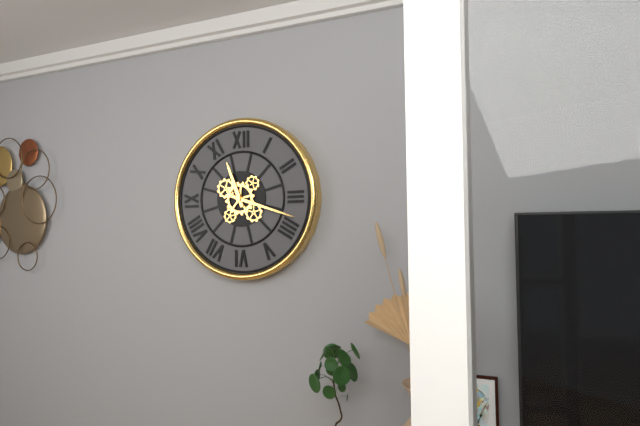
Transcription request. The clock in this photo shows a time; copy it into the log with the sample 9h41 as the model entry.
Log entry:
11h18
